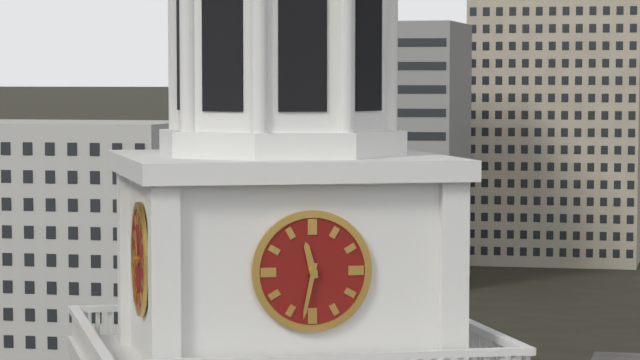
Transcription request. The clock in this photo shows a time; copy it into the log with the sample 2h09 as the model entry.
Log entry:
11h32
